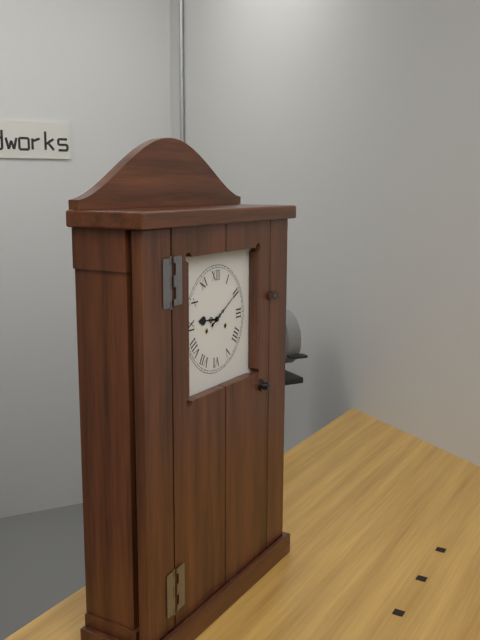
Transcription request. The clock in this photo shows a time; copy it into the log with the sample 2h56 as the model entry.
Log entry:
9h10
